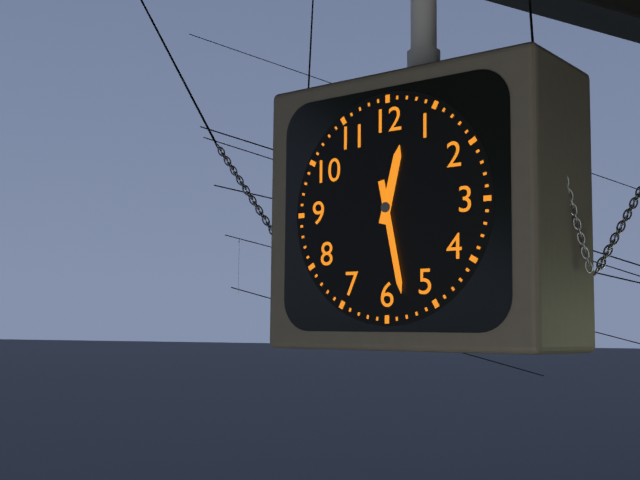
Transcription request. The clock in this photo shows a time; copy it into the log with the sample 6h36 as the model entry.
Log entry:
12h28
